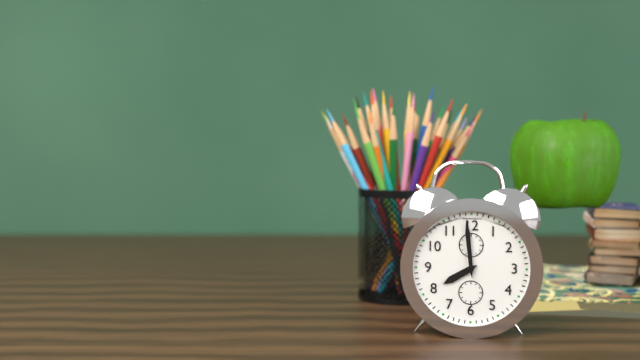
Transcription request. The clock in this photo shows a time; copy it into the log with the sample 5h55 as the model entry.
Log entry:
7h59
